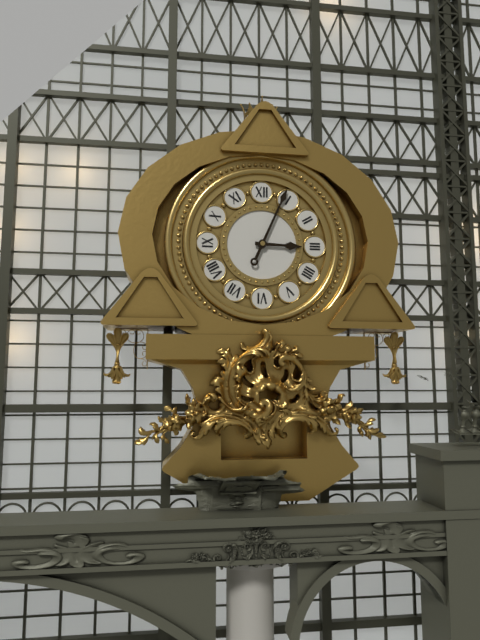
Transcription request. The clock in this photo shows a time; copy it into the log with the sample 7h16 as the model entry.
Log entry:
3h04
